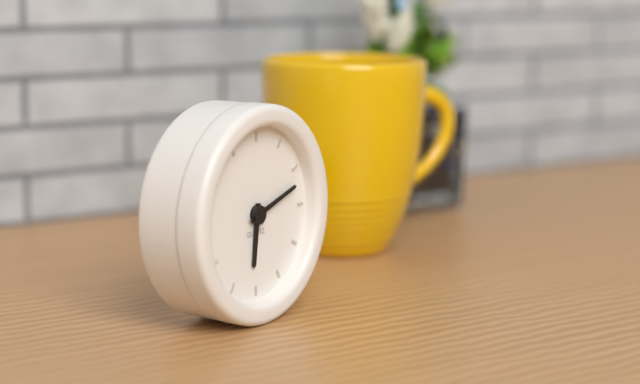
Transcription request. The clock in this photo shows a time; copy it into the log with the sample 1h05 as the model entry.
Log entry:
6h12
